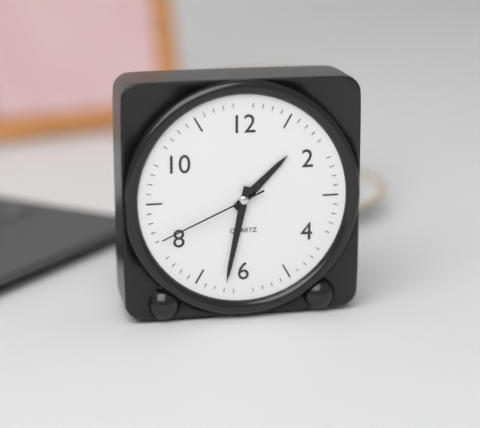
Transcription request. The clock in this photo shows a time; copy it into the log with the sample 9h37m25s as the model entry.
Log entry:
1h32m41s
